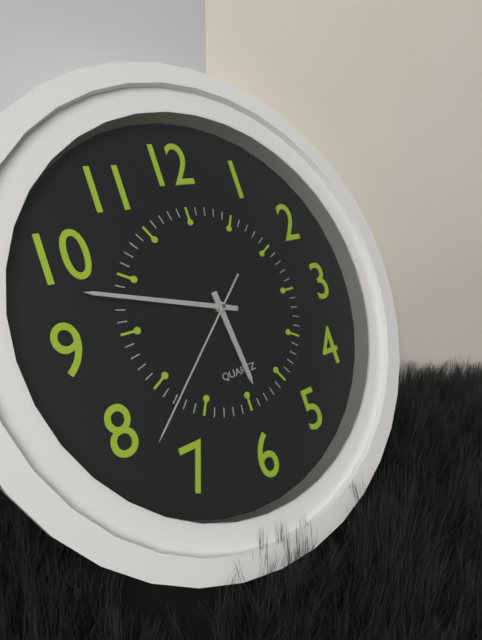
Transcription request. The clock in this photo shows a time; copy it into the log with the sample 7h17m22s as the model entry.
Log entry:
5h48m38s
